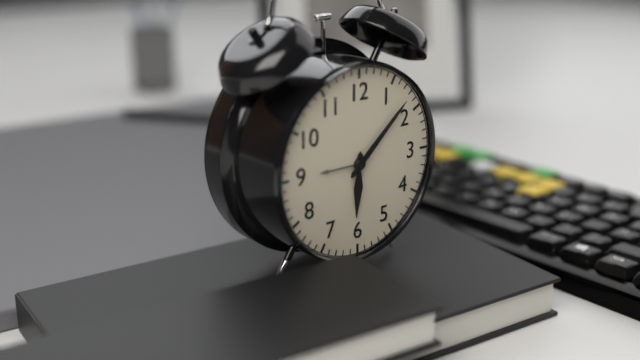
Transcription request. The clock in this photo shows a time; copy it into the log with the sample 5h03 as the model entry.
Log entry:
6h08
